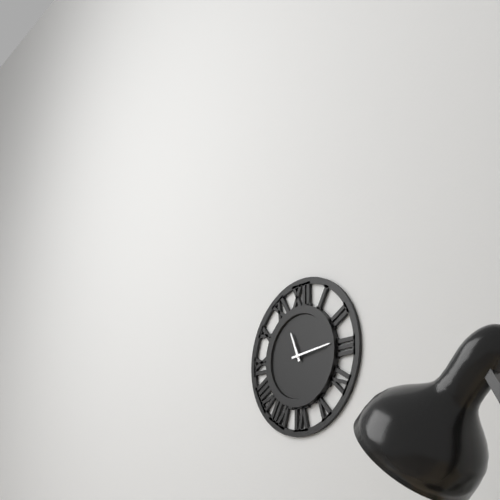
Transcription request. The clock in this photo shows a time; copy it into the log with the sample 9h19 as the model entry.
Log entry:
11h14
